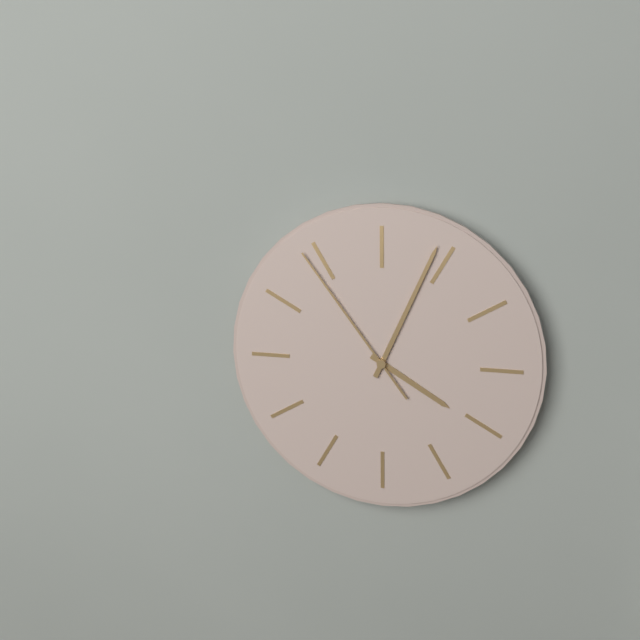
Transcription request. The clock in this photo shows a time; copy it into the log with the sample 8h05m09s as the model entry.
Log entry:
4h04m54s
